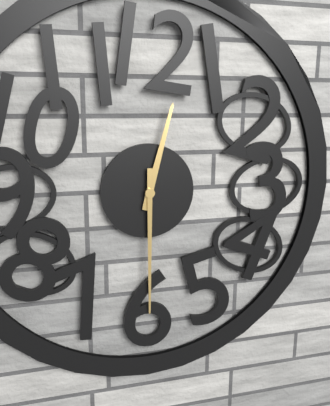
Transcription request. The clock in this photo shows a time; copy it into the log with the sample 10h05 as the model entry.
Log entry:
12h30
